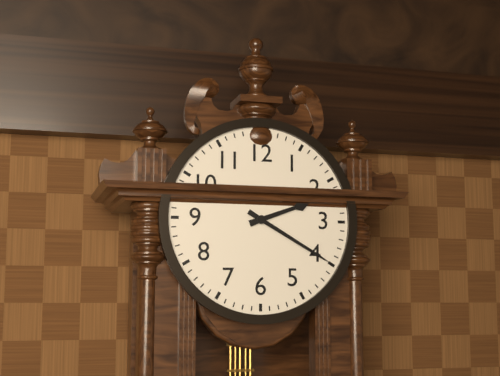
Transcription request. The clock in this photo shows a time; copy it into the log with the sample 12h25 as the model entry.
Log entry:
2h20
